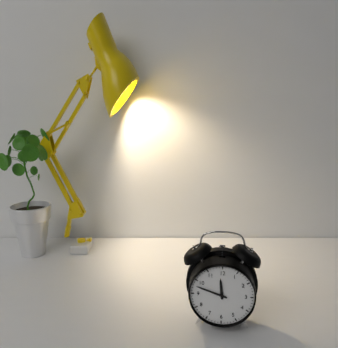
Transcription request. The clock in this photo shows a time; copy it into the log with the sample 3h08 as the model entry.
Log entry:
11h48
